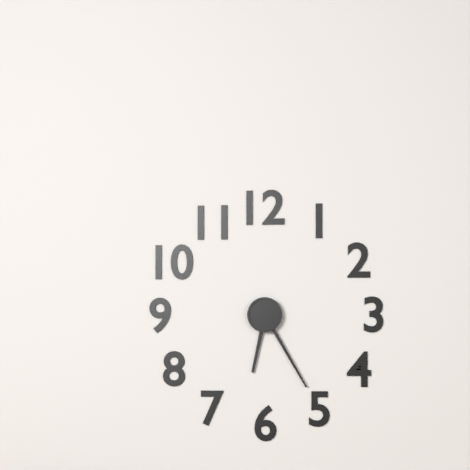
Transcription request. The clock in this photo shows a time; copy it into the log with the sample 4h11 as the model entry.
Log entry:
6h25
